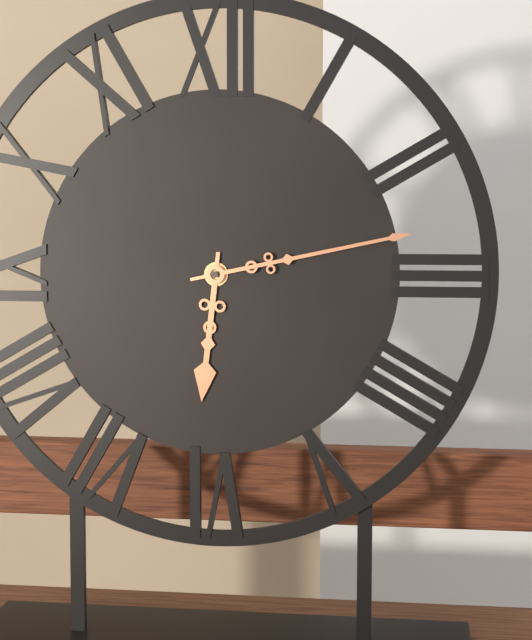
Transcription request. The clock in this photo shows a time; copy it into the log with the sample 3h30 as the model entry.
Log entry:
6h13
